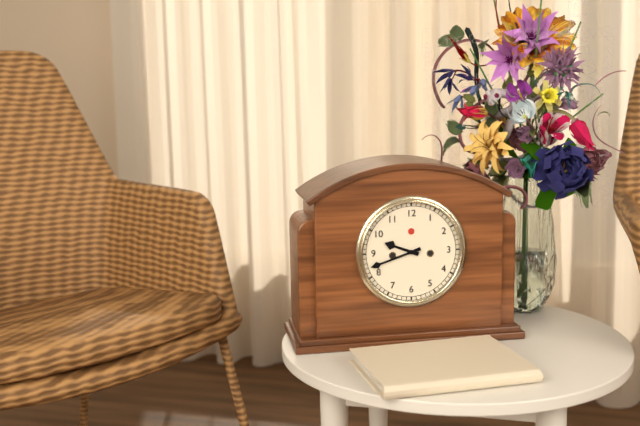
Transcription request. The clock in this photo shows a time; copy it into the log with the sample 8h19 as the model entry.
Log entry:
9h42
